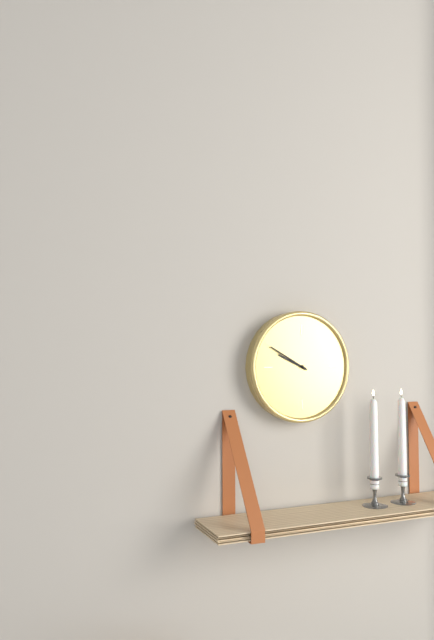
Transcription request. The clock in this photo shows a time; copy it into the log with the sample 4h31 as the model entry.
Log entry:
9h50
